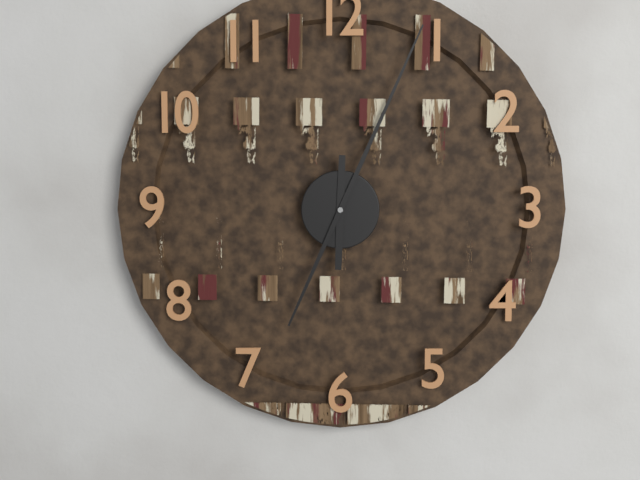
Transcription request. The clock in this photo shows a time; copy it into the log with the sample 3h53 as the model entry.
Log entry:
6h04
